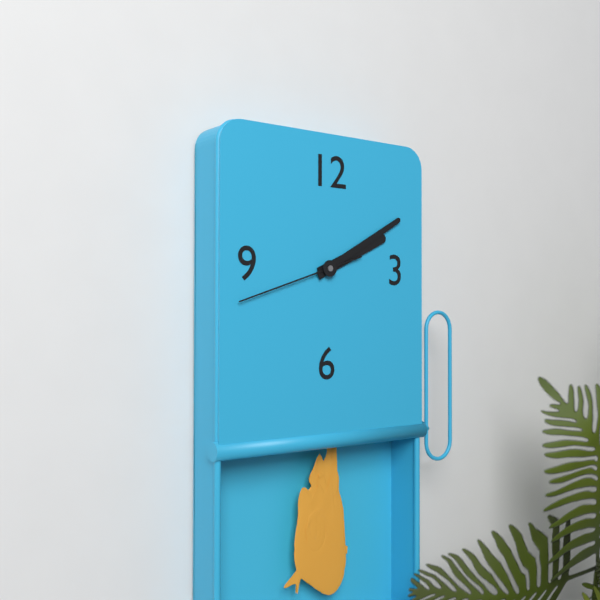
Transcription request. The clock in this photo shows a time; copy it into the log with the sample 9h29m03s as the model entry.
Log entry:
2h10m42s
